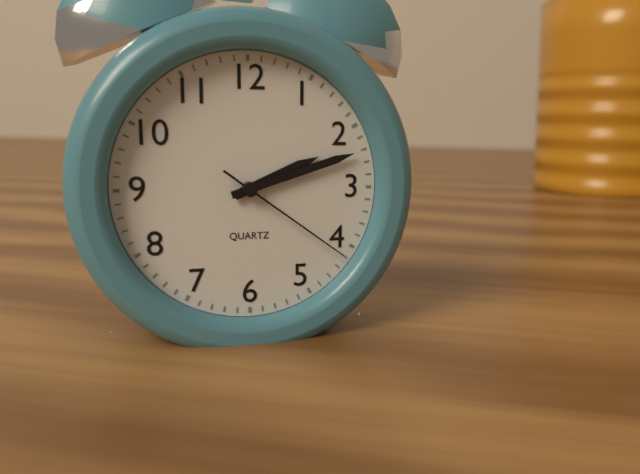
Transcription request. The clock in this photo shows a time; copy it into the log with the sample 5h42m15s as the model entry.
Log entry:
2h12m21s
